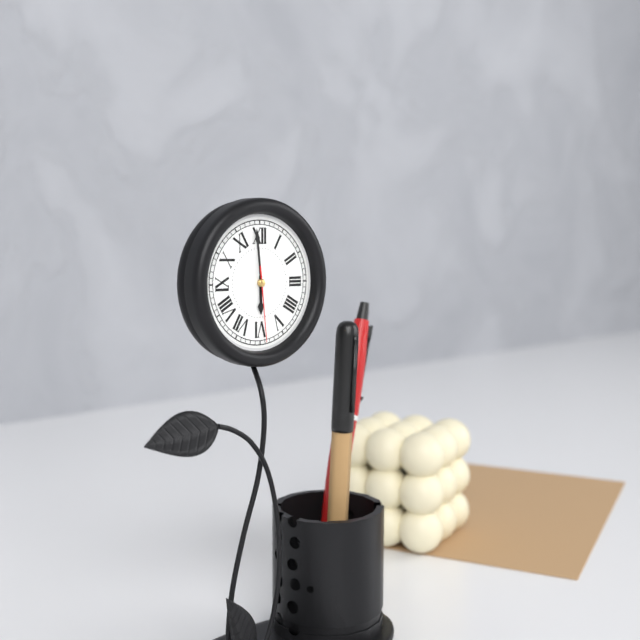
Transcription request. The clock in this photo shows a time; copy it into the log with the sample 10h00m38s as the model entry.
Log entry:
5h59m29s
